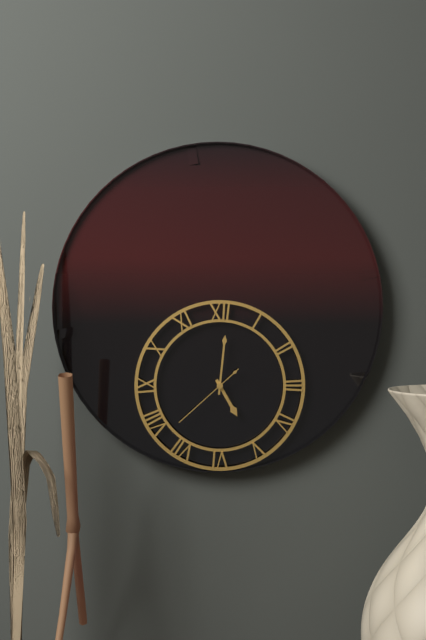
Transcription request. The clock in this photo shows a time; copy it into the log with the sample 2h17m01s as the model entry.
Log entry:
5h01m38s
